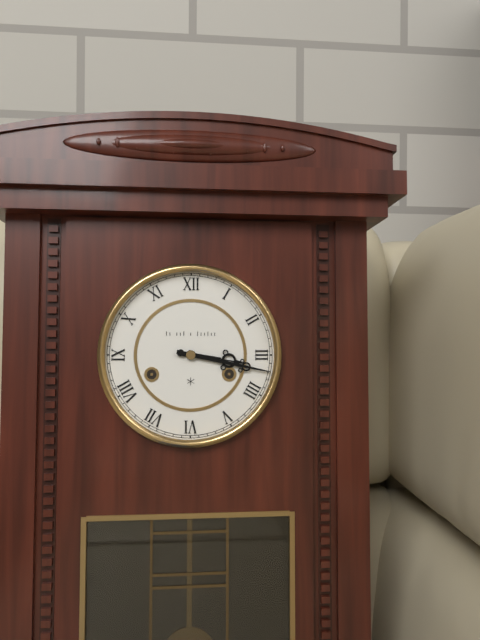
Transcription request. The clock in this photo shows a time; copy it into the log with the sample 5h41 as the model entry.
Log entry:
3h17
